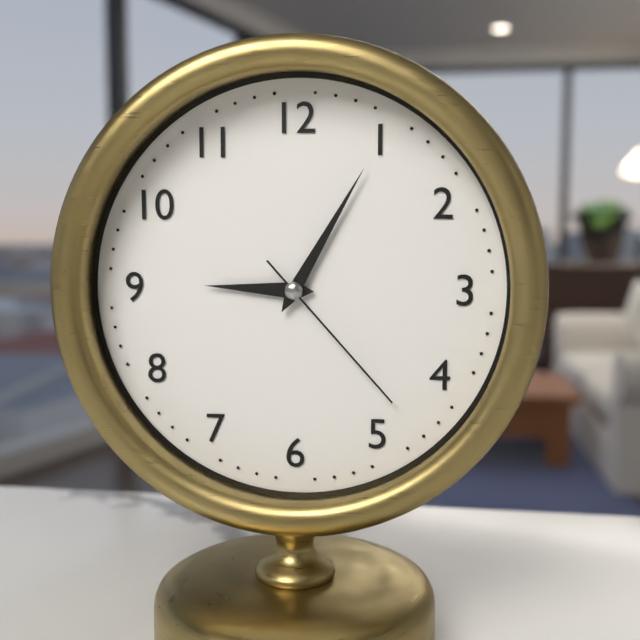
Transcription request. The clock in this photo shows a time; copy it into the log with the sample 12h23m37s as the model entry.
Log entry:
9h05m23s
